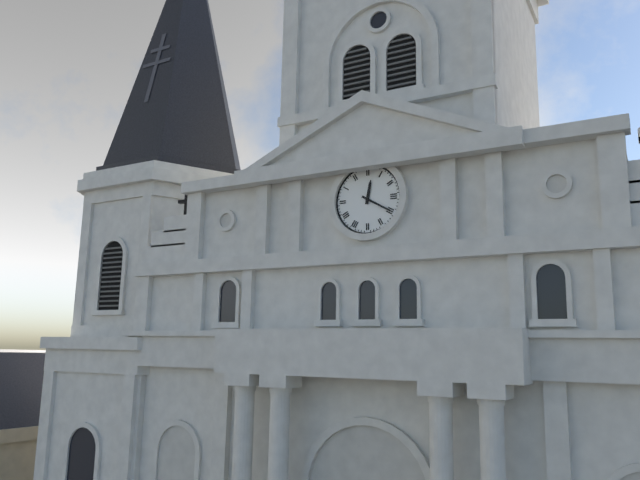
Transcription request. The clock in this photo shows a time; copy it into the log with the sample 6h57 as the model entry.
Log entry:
12h20
